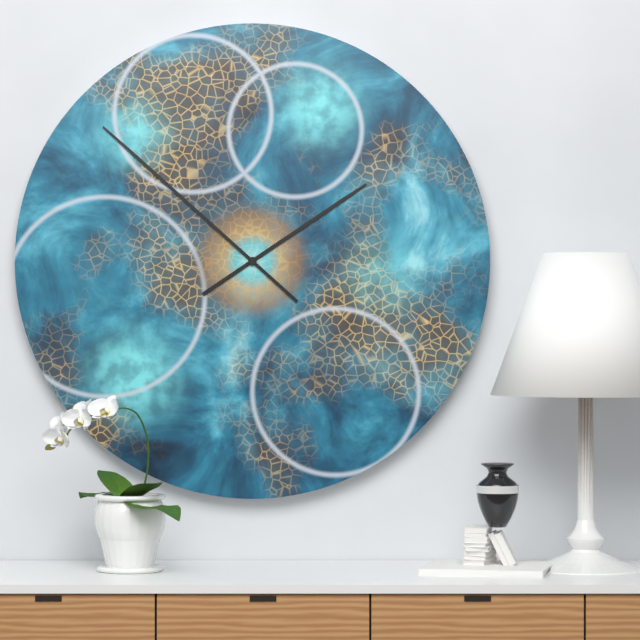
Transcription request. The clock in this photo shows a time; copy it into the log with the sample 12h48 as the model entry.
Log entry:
1h52
